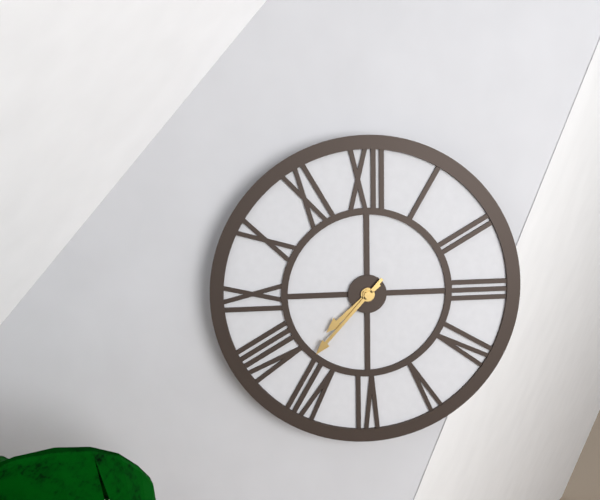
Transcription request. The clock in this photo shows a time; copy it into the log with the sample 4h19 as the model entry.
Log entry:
7h37
